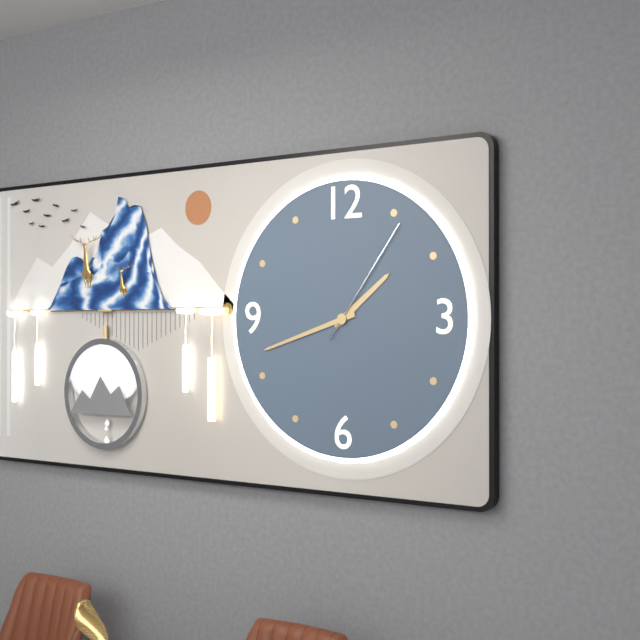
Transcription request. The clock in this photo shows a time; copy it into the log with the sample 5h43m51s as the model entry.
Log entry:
1h42m06s
